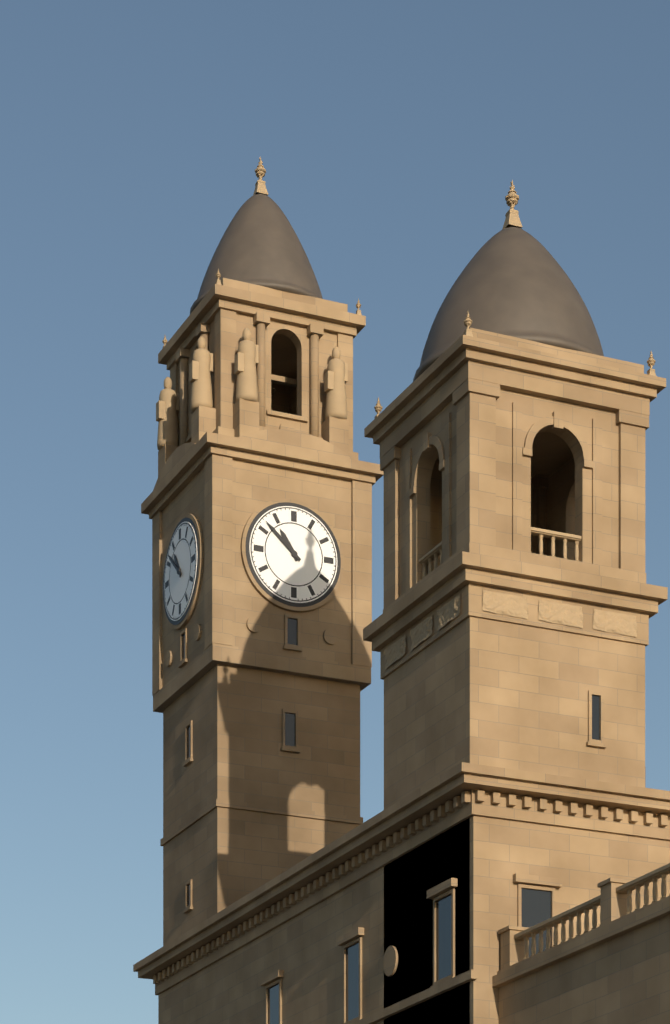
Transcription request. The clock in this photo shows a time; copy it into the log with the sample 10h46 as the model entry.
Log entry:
10h52
